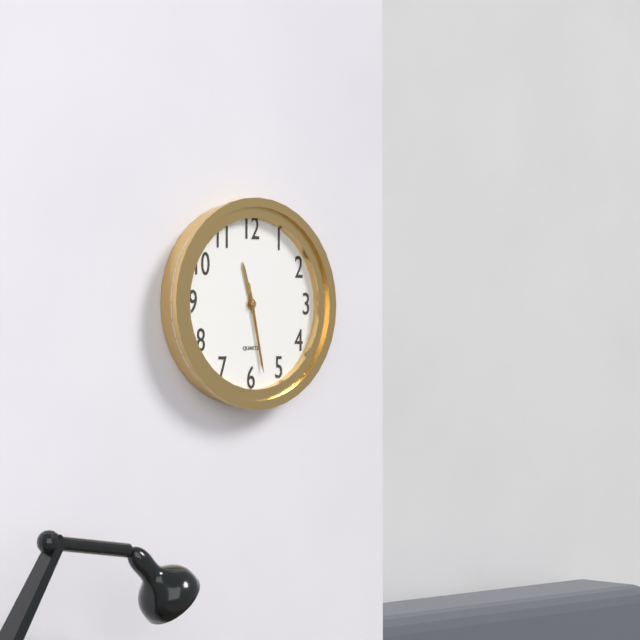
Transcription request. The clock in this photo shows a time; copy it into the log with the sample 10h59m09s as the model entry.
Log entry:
11h28m28s
